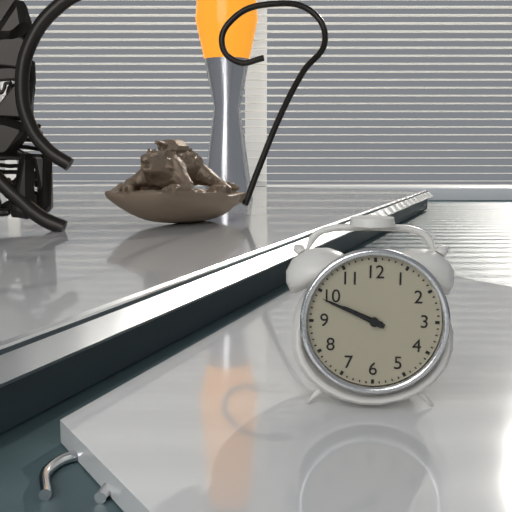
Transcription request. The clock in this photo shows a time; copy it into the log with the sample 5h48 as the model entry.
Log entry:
9h49
